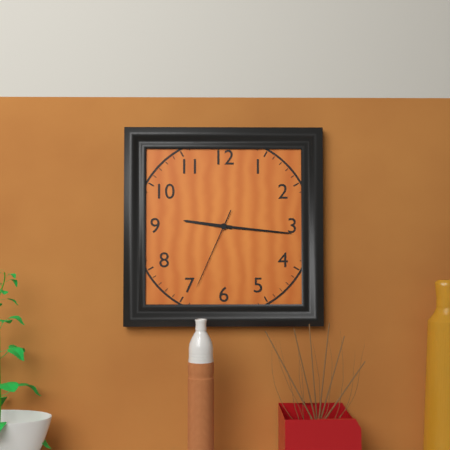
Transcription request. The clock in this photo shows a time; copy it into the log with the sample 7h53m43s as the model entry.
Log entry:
9h16m34s
